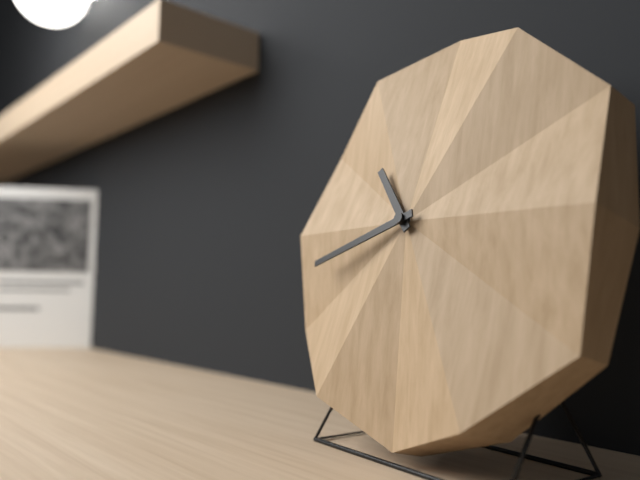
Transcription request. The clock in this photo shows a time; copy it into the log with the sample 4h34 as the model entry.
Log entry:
10h42
